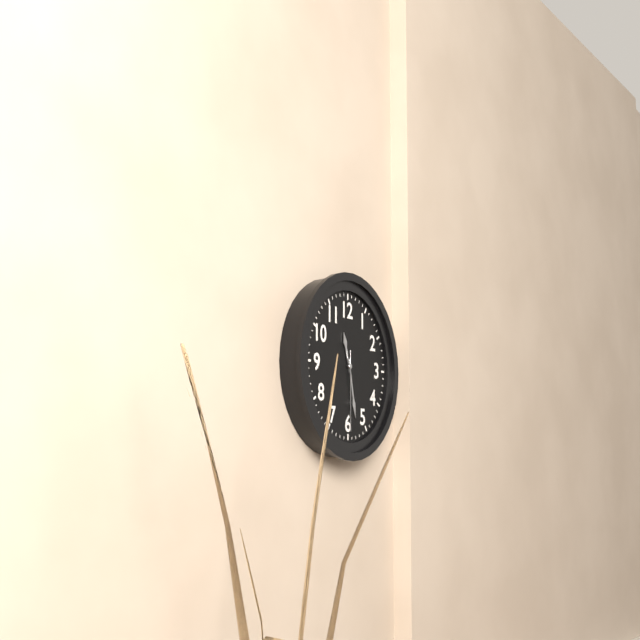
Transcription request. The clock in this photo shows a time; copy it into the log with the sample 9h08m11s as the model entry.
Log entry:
11h28m30s
